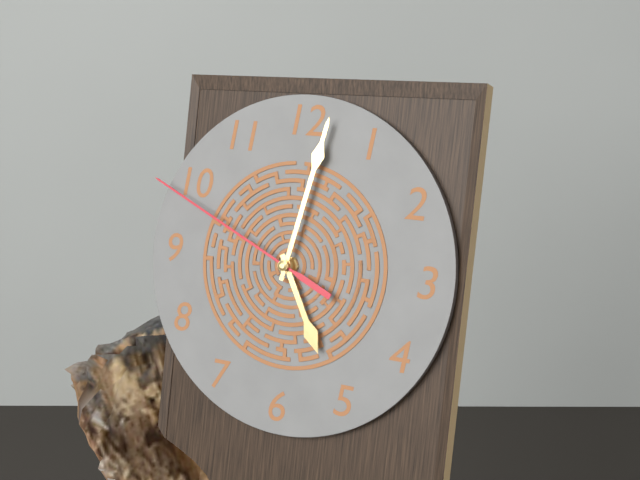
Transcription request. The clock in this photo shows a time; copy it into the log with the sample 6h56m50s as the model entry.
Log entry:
5h02m49s
